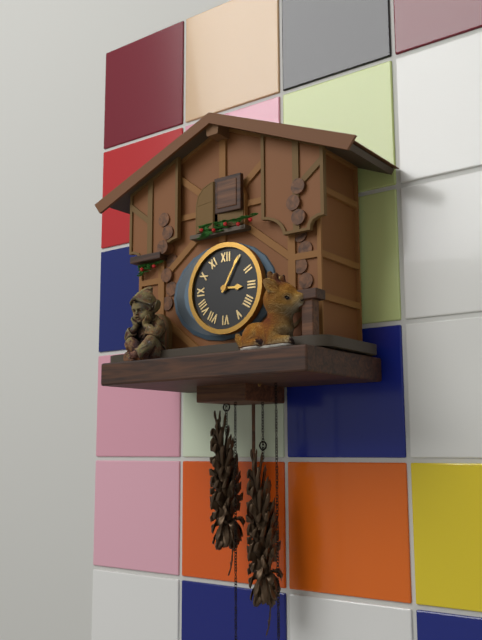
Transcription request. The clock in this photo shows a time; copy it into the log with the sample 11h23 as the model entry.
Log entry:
3h05
